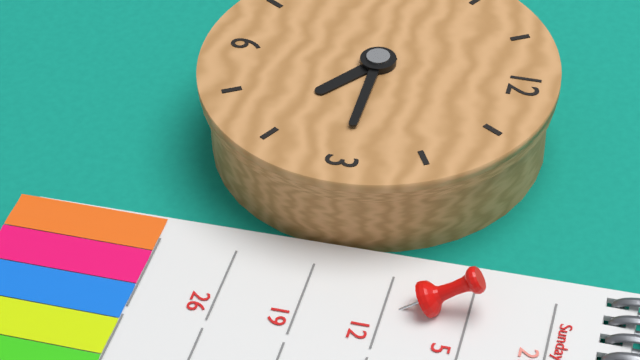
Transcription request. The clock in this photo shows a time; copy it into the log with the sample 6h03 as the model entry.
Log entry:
4h15
